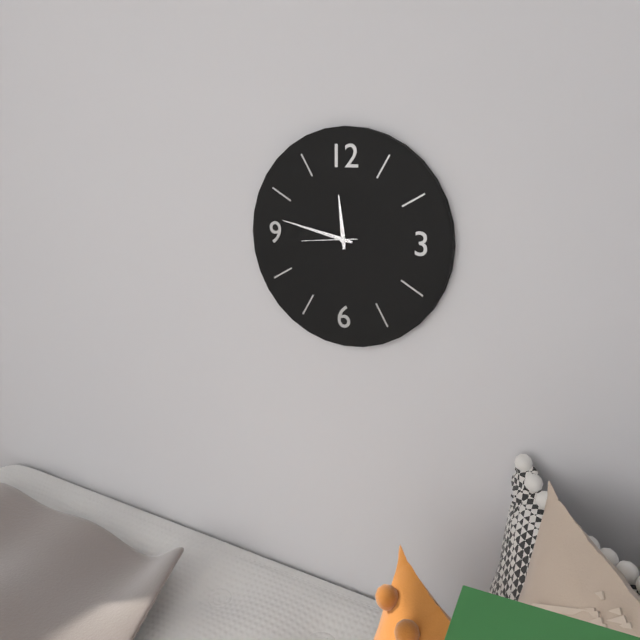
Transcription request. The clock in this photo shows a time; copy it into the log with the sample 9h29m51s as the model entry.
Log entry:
11h47m44s
